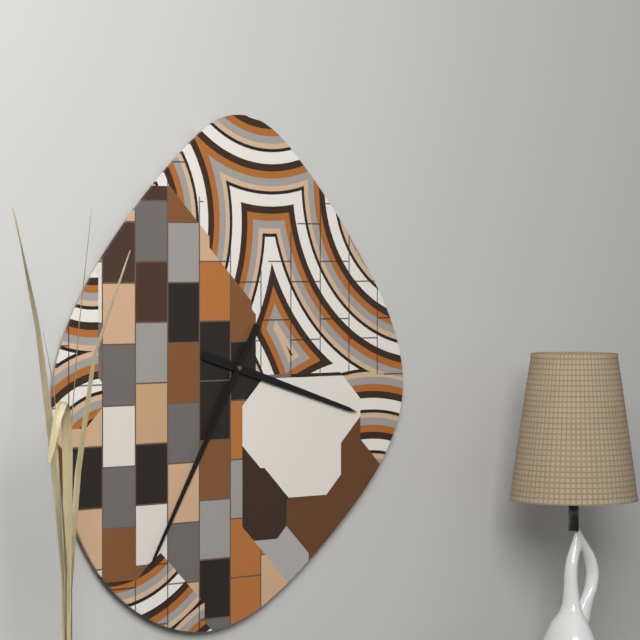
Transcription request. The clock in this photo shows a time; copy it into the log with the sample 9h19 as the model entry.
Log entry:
3h35
